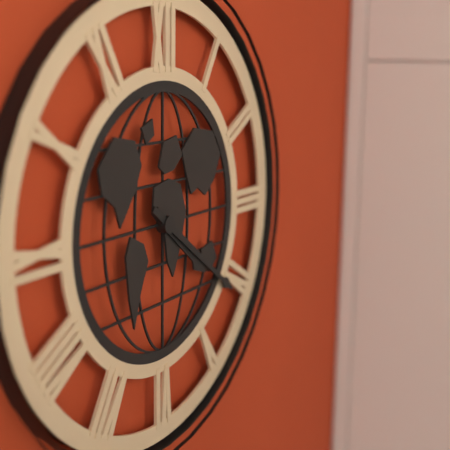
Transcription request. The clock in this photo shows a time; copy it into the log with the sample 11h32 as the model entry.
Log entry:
4h21
